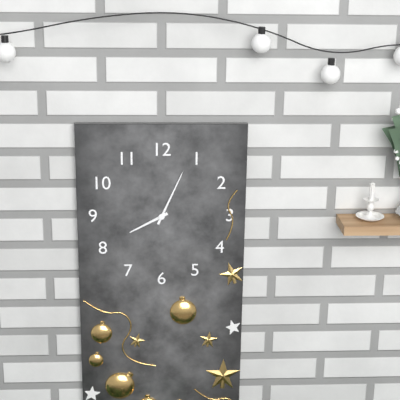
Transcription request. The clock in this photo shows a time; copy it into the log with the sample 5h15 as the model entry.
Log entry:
8h04
